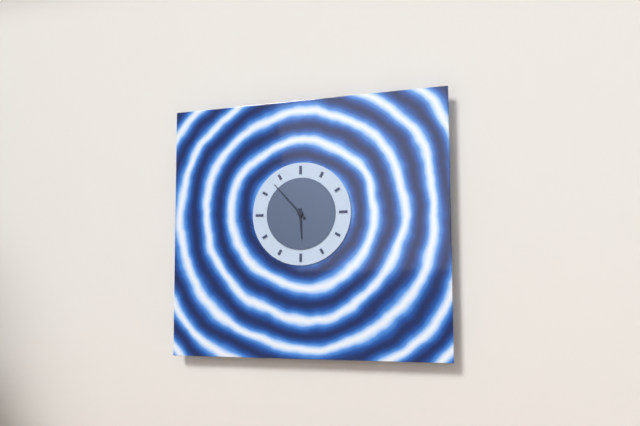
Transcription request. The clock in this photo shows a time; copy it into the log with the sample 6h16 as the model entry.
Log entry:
5h53
